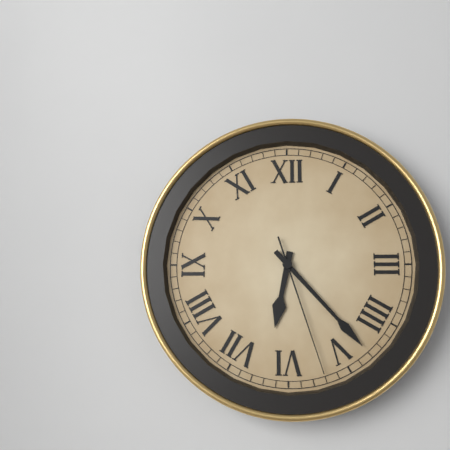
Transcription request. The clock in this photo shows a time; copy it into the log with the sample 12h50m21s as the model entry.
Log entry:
6h23m27s
